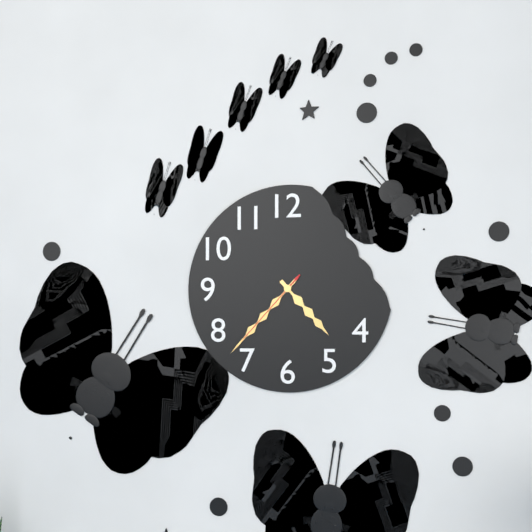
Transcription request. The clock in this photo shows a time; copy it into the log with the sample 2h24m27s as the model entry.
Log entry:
4h37m37s
